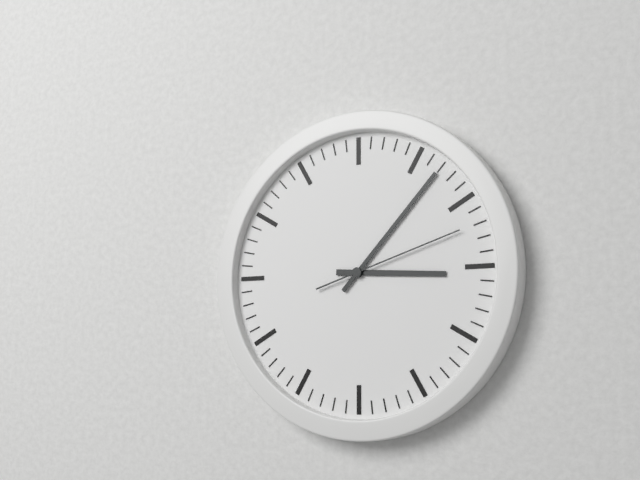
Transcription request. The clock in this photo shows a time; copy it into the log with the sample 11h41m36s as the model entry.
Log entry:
3h07m12s
